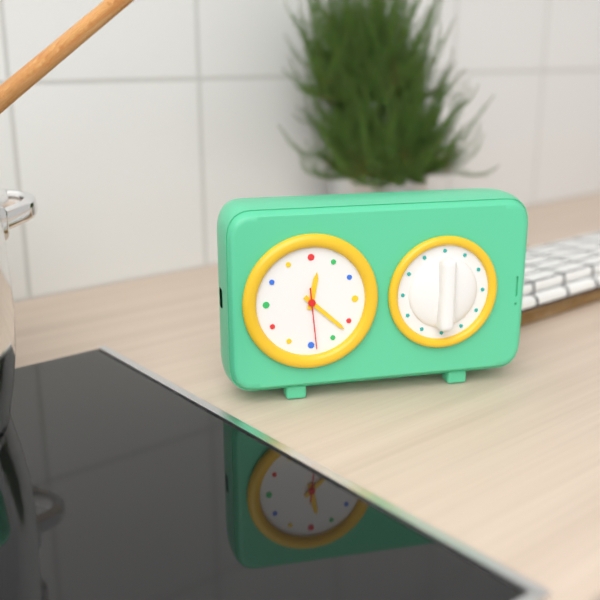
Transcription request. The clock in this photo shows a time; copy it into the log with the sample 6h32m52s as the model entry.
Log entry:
12h22m29s
